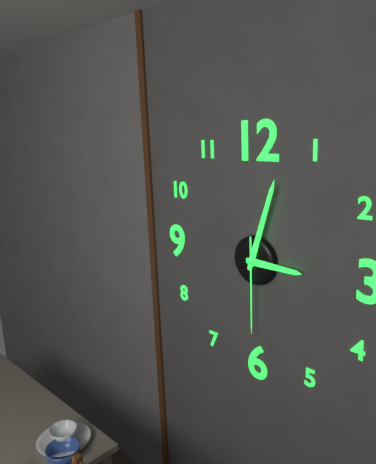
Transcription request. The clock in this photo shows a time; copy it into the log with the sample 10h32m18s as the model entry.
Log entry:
3h03m30s
